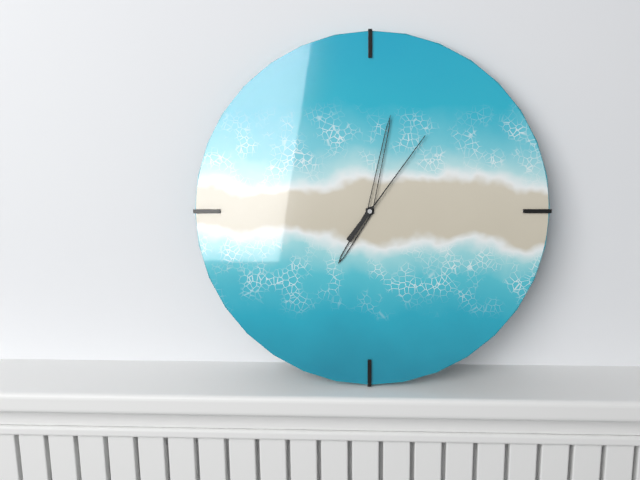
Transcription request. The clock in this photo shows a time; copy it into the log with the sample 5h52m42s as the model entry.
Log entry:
7h02m06s
